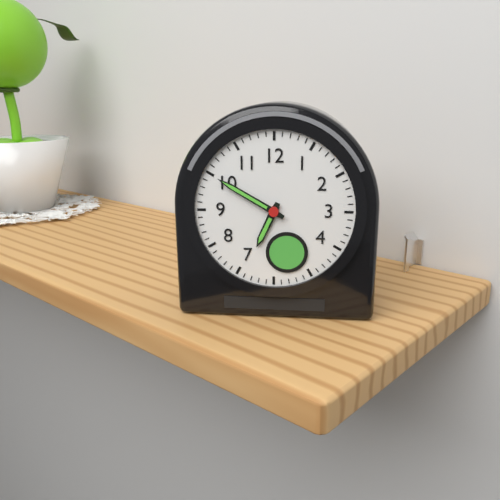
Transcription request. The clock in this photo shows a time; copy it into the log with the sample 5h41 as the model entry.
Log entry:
6h50
